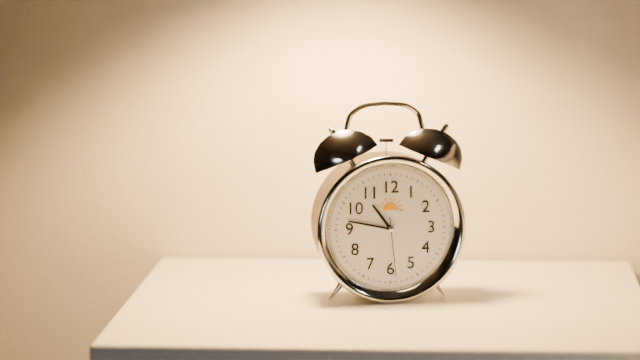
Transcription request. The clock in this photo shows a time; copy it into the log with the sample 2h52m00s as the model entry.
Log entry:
10h47m29s
